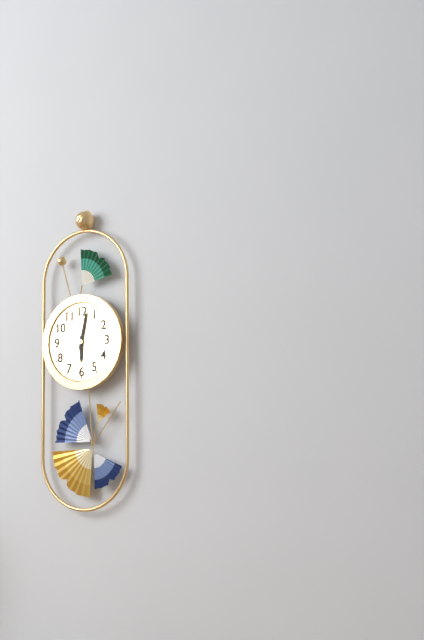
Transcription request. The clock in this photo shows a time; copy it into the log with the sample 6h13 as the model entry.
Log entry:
6h02
